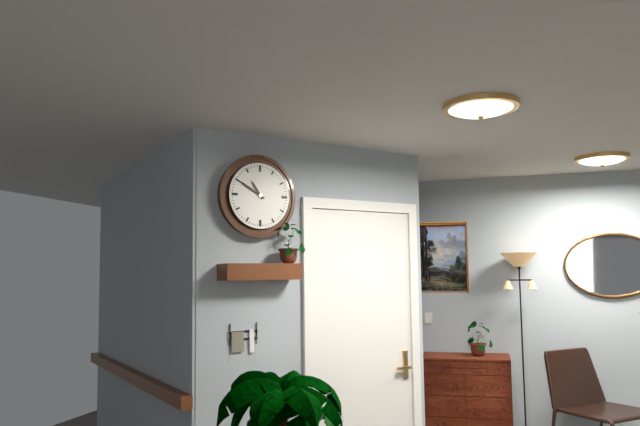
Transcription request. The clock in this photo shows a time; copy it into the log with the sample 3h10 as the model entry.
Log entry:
10h50
